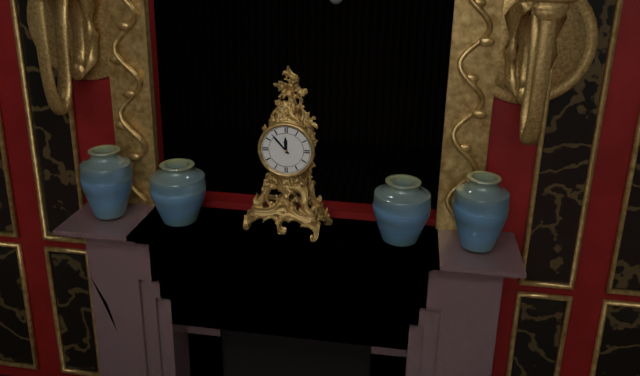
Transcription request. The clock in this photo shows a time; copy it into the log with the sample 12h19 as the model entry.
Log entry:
11h53
